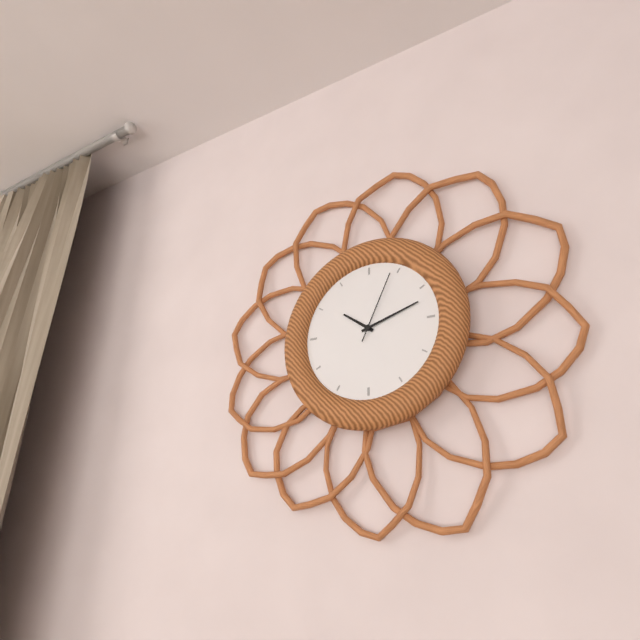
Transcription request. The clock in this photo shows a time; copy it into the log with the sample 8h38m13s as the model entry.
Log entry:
10h12m04s
